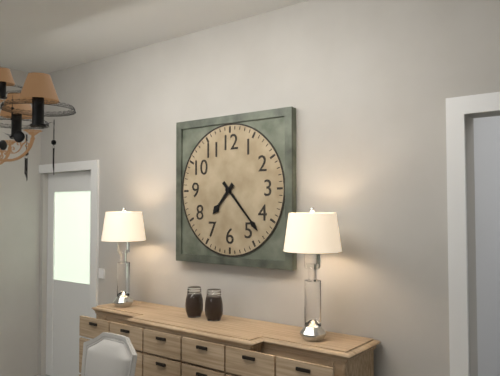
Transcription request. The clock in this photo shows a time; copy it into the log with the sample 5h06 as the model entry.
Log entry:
7h23
